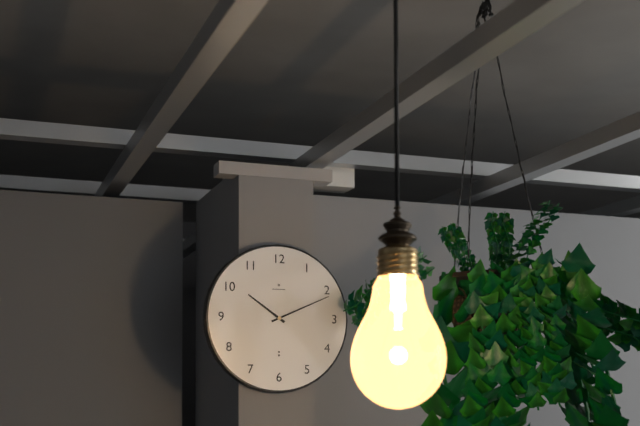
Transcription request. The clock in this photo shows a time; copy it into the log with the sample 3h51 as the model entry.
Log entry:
10h11
